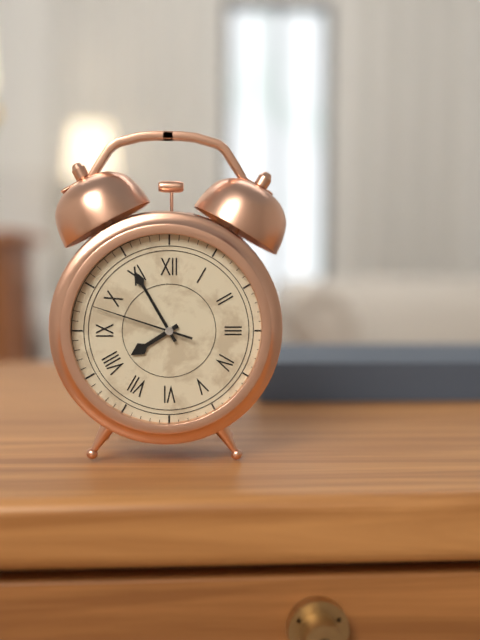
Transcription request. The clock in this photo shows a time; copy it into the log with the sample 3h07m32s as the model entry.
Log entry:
7h55m48s
